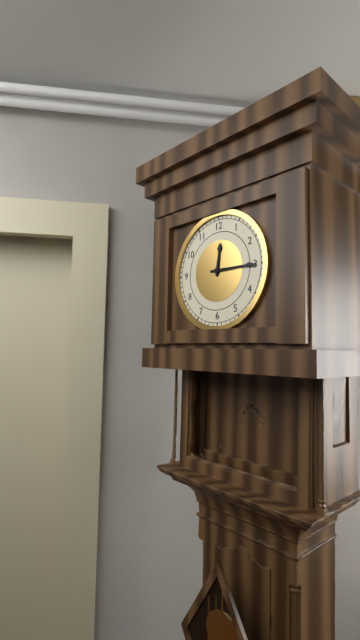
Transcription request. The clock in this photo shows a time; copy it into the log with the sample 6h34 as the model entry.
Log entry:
12h15
